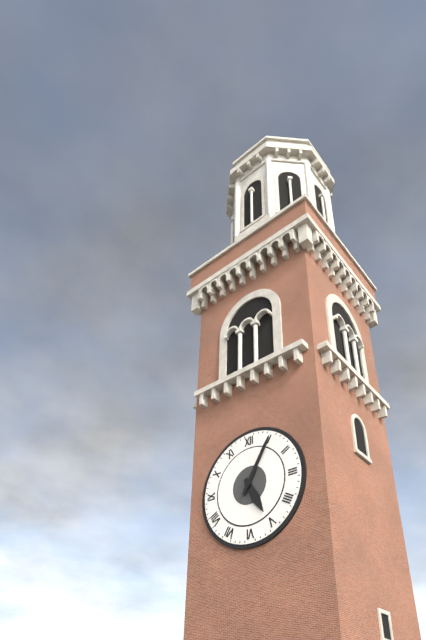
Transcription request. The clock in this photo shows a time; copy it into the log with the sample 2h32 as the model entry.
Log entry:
5h05
